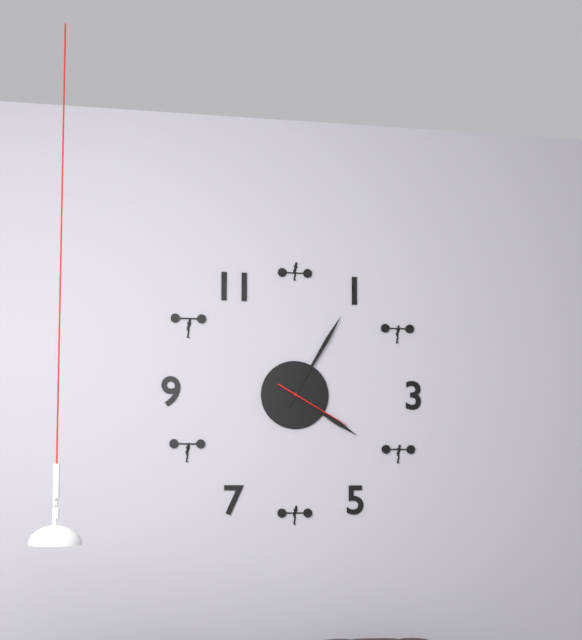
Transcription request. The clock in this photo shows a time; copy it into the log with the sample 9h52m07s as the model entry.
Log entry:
4h05m20s
